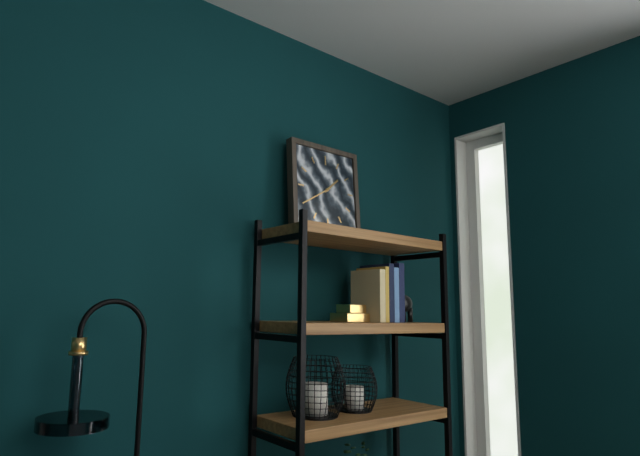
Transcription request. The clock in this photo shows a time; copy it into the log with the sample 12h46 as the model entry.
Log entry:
1h40
